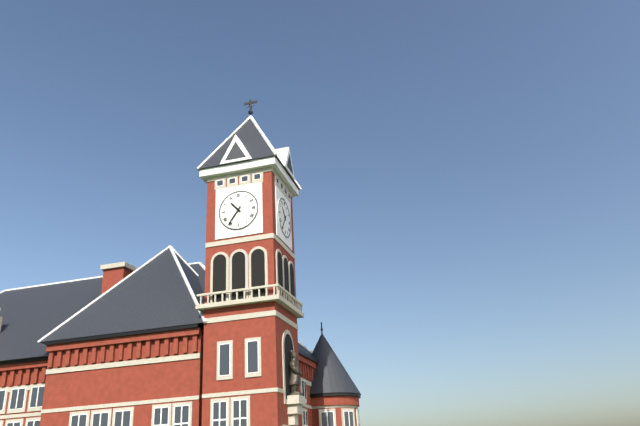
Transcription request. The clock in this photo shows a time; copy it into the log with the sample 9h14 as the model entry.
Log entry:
10h36
